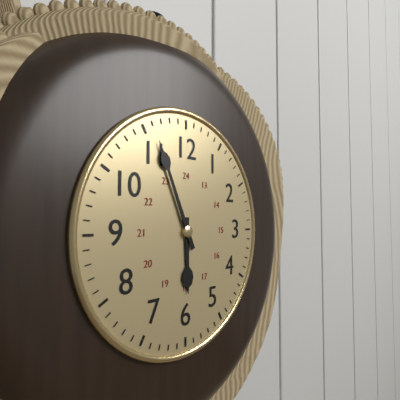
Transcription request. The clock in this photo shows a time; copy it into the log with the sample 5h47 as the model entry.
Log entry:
5h56
